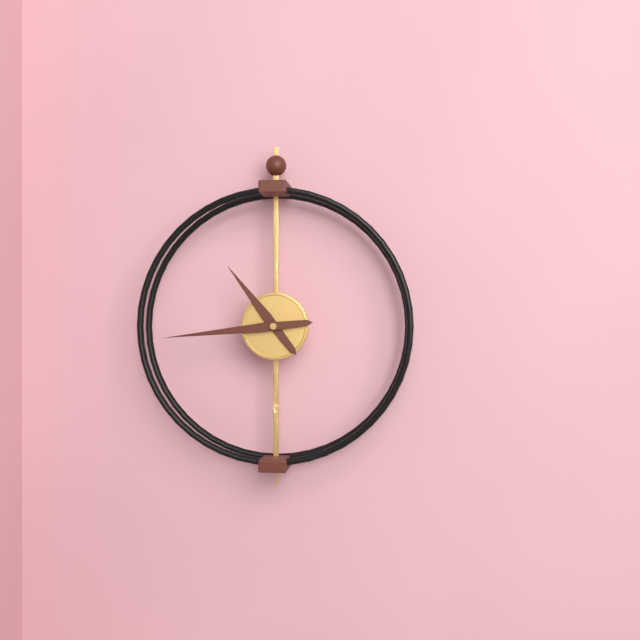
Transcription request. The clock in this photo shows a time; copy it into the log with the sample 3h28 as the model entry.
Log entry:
10h44
